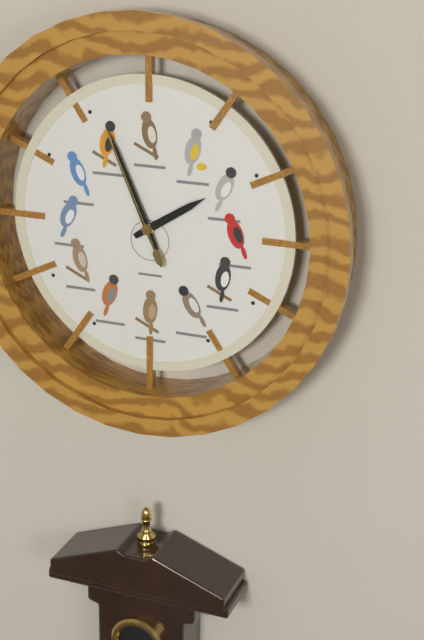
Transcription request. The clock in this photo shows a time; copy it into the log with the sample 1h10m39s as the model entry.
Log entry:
1h56m56s
